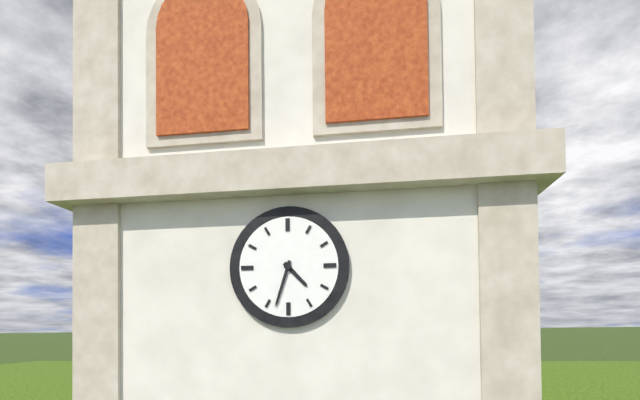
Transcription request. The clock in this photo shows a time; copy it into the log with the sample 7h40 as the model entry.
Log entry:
4h33
